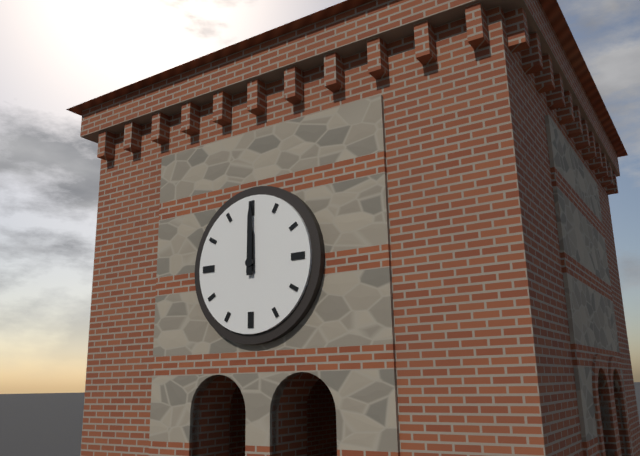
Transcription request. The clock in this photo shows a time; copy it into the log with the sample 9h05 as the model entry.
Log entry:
12h00
